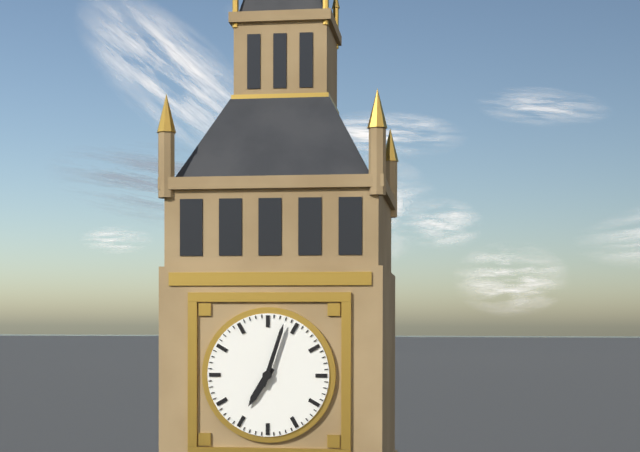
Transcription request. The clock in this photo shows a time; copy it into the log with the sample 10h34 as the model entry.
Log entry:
7h03
